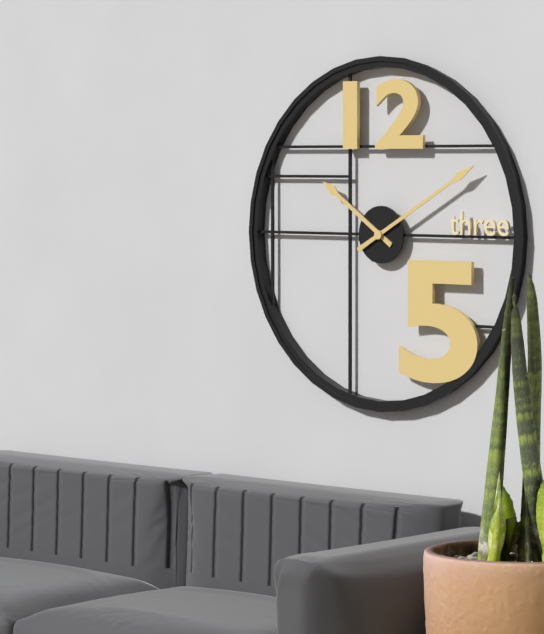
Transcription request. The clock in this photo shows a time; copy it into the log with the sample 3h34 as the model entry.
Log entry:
10h10
